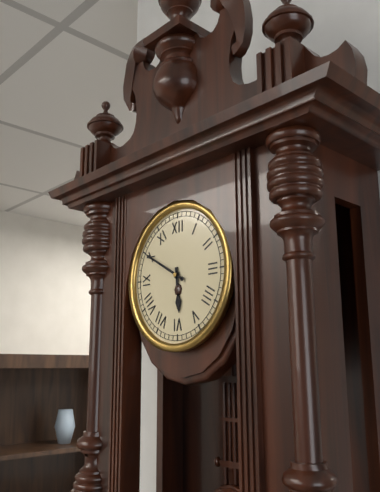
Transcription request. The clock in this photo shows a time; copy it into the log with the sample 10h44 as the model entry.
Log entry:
5h50
